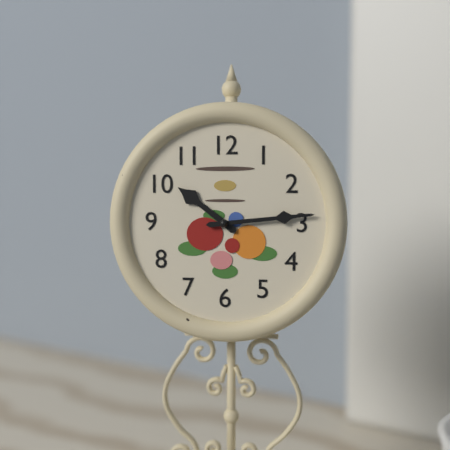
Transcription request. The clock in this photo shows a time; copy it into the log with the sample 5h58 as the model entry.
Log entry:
10h14
